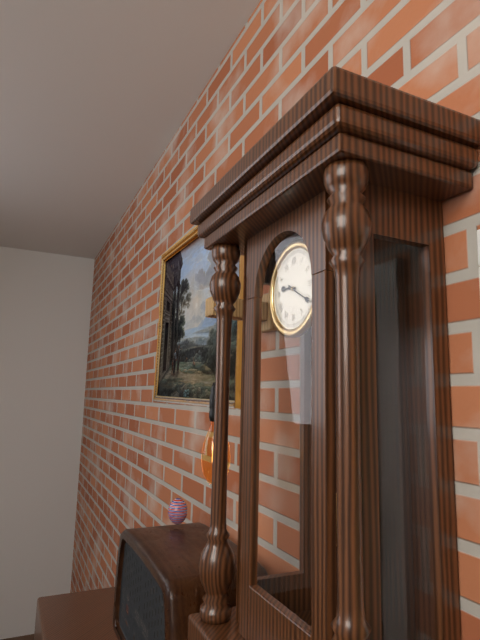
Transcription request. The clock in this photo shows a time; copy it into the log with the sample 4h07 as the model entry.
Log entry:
9h20
